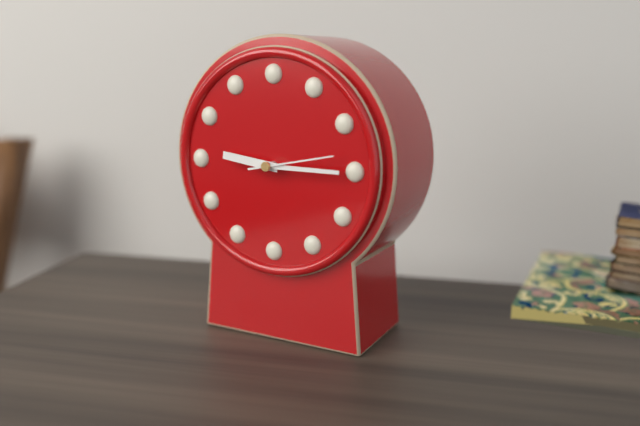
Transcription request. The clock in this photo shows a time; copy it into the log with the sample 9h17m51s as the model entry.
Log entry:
9h15m13s
